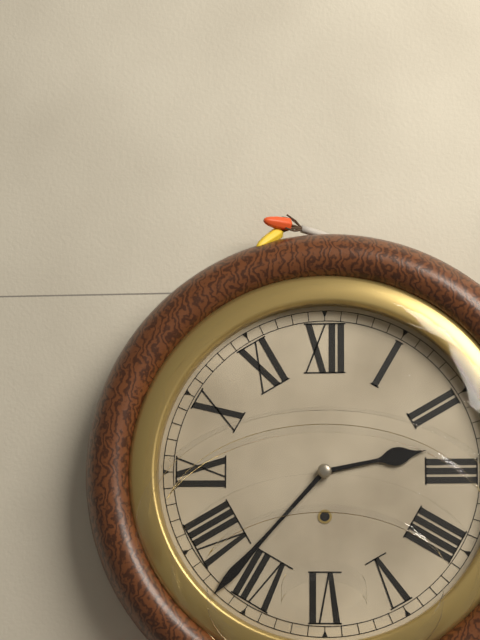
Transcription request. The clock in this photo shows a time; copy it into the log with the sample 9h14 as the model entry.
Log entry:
2h37
